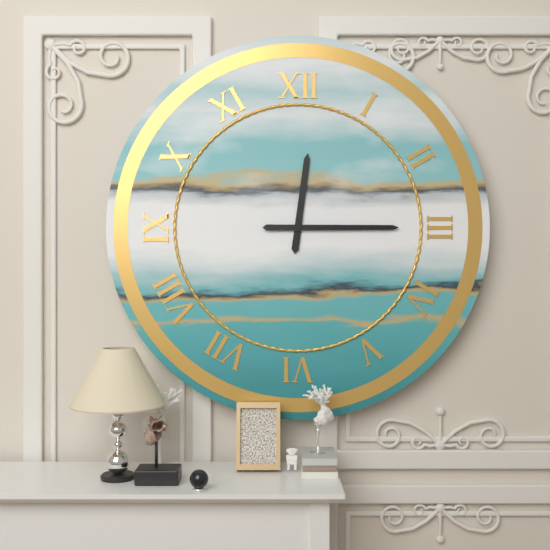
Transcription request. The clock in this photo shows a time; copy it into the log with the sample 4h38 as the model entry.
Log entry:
12h15
